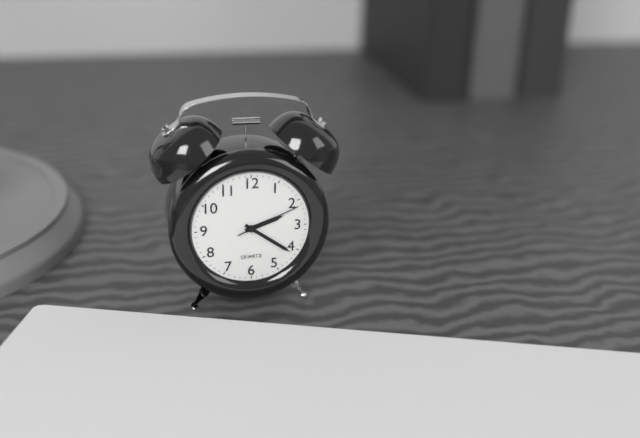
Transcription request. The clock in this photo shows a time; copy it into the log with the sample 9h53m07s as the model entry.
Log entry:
2h21m11s
